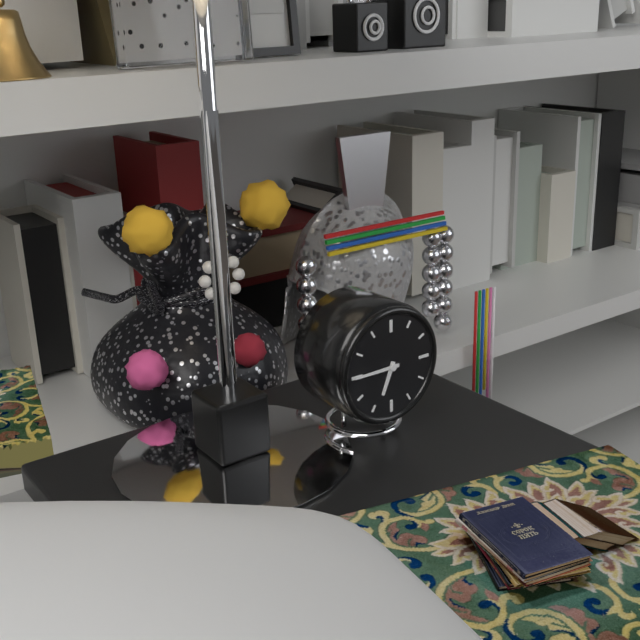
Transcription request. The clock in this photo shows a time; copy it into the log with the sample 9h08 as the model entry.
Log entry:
6h45
